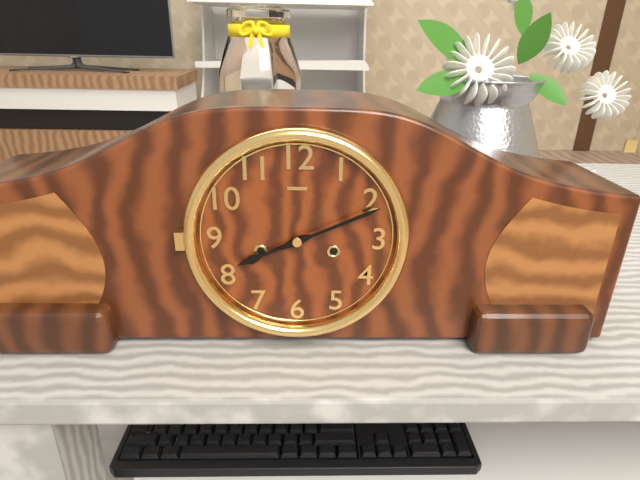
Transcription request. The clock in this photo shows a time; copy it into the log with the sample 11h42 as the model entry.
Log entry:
8h11
